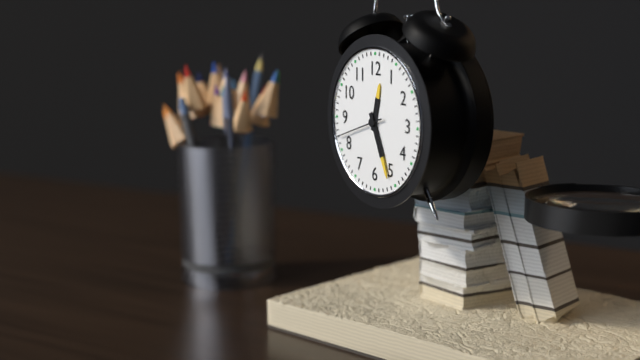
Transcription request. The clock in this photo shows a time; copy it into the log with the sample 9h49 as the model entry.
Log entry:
12h26
